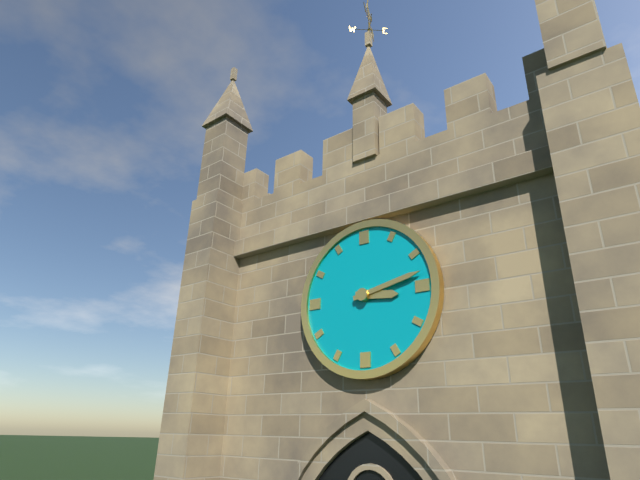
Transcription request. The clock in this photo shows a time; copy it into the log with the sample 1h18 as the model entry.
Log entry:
3h13
